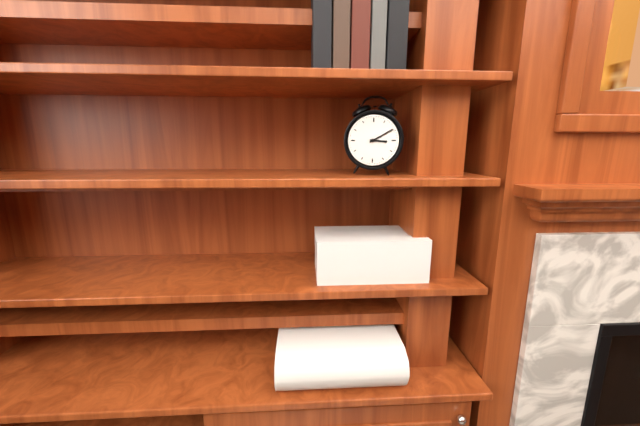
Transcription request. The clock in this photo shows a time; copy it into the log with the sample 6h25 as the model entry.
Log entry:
3h10
